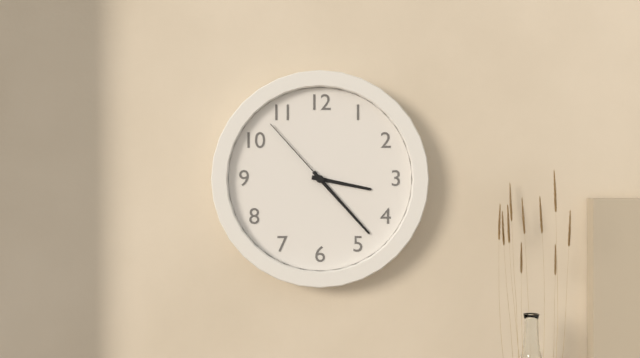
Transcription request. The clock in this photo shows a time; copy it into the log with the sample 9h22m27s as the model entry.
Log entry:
3h23m53s
